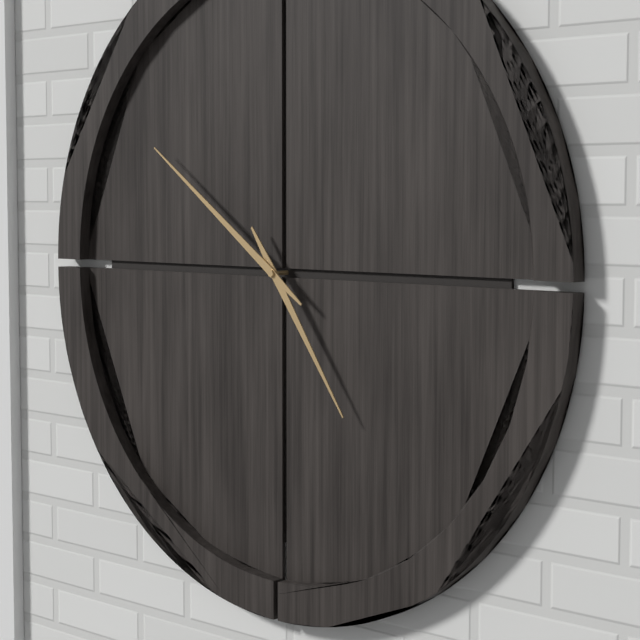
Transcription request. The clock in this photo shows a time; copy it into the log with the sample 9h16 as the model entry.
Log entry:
4h51
